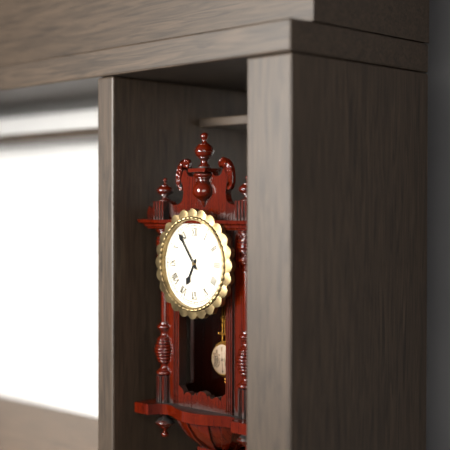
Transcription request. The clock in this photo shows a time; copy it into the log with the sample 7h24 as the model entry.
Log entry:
6h54
